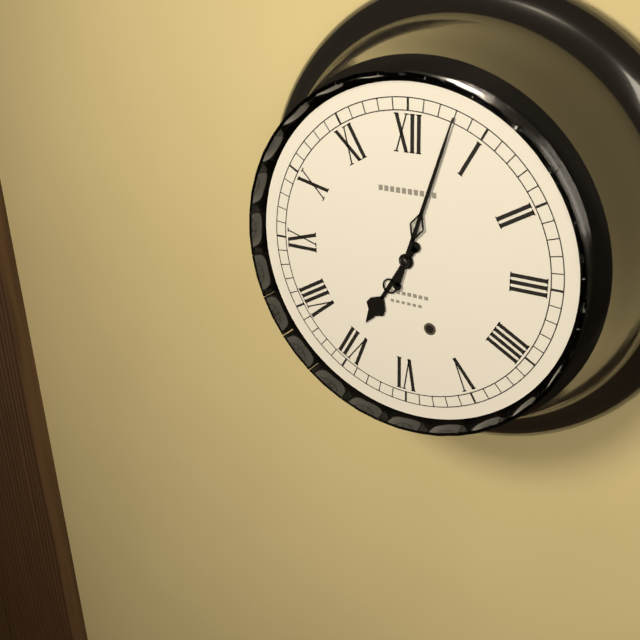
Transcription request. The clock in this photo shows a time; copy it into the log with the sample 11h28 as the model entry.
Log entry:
7h03
